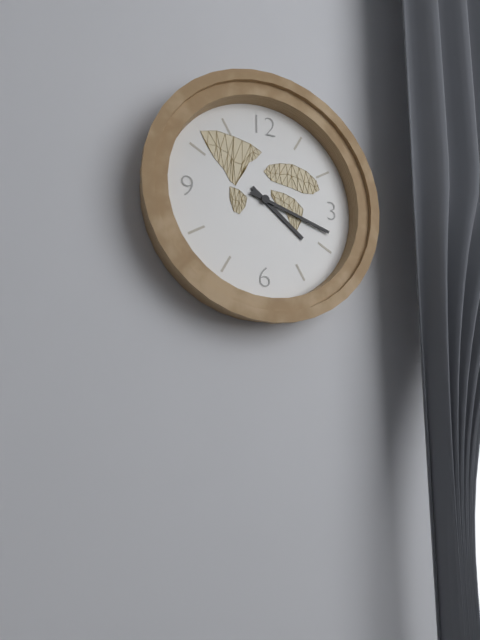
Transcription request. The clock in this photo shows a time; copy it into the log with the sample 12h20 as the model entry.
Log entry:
4h18
